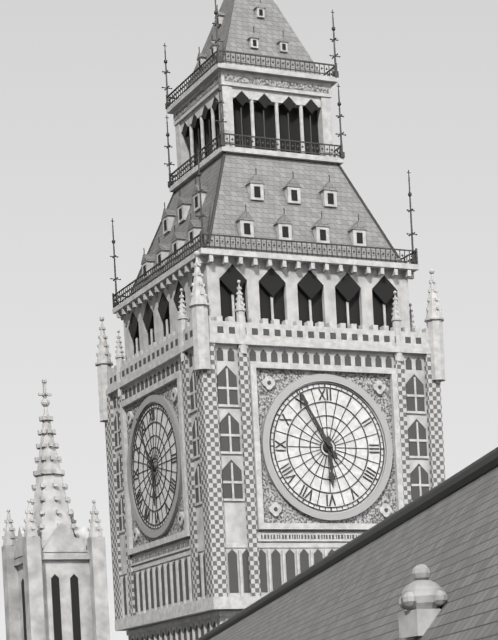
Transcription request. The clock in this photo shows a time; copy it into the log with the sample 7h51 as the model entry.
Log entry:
5h55
